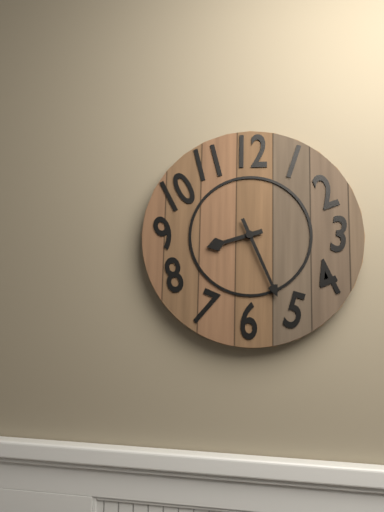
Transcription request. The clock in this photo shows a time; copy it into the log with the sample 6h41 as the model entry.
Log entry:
8h26
